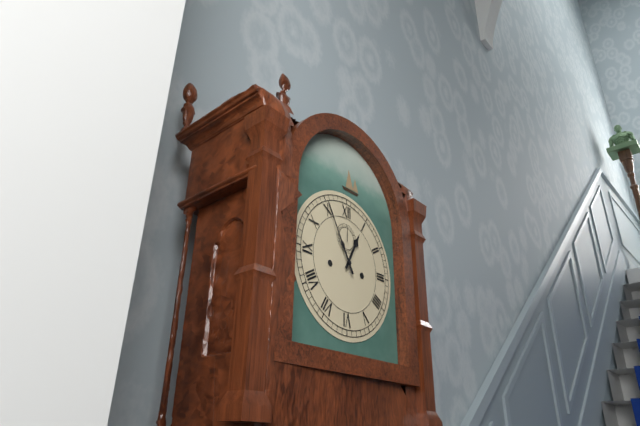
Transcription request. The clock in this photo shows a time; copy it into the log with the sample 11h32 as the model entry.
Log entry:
12h55
